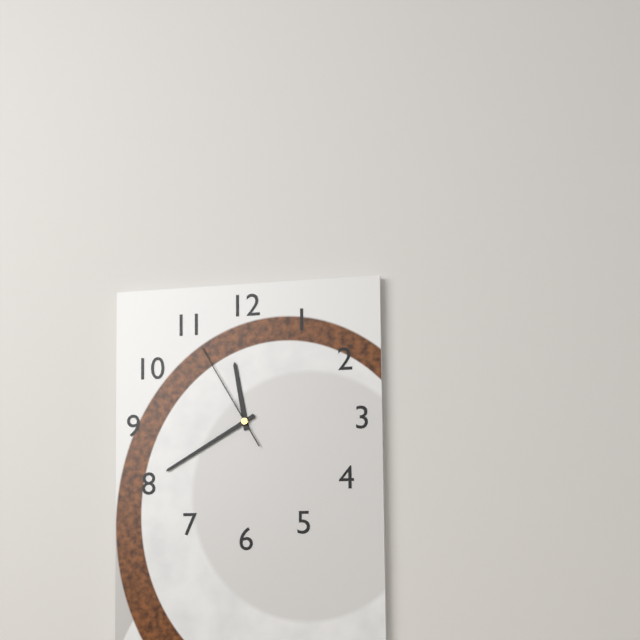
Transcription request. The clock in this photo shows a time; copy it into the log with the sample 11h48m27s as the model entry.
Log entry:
11h40m55s
